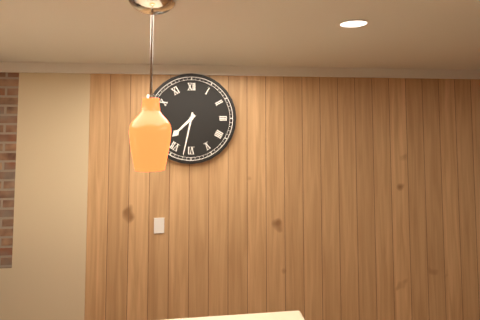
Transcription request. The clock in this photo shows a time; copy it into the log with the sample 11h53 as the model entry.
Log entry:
7h32
